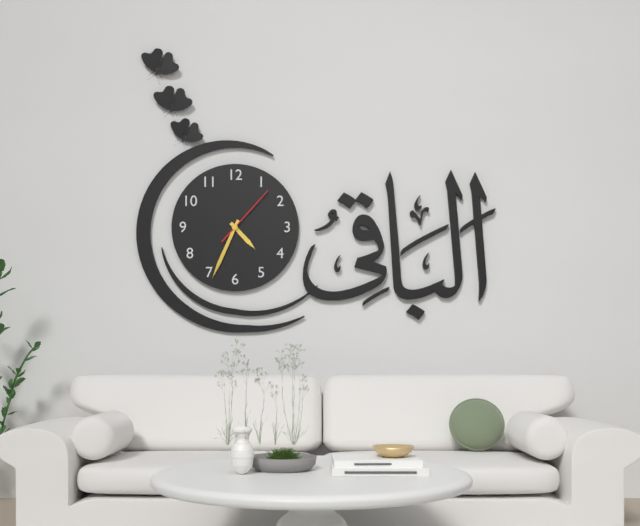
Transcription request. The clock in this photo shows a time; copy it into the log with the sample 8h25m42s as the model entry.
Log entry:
4h34m07s
